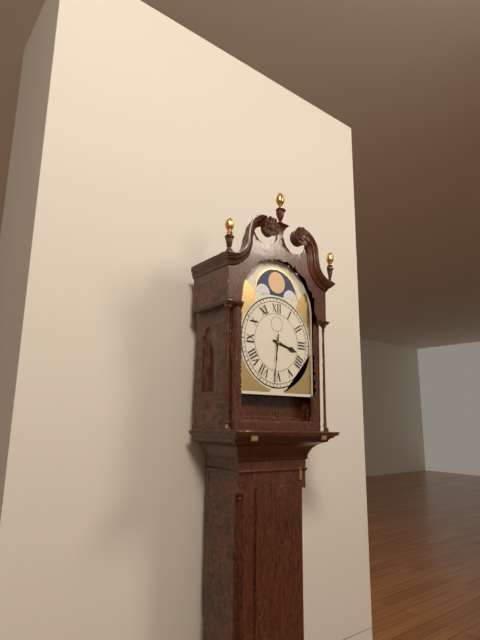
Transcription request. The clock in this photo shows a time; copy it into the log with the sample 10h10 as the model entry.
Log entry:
3h31
